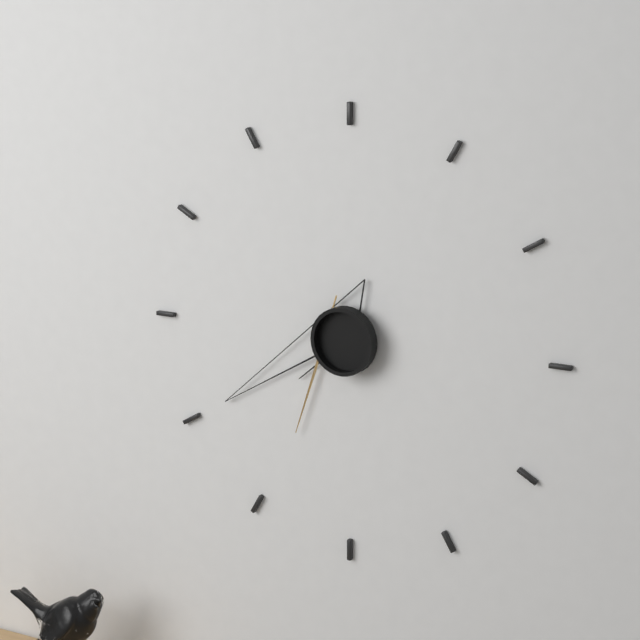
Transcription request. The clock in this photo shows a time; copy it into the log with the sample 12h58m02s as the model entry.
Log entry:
7h40m35s
